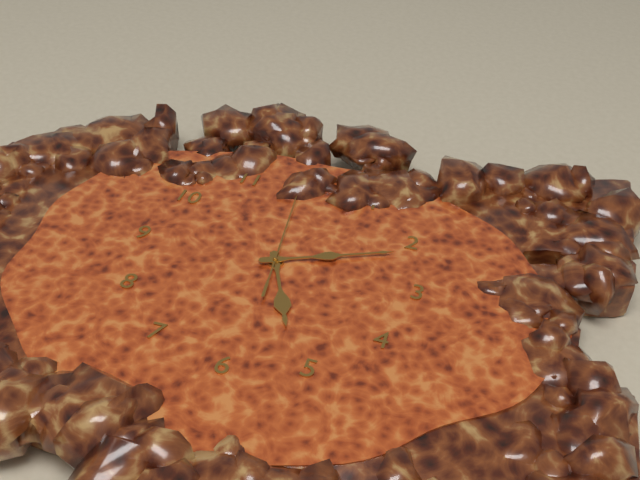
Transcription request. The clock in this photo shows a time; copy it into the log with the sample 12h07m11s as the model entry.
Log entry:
5h11m59s
